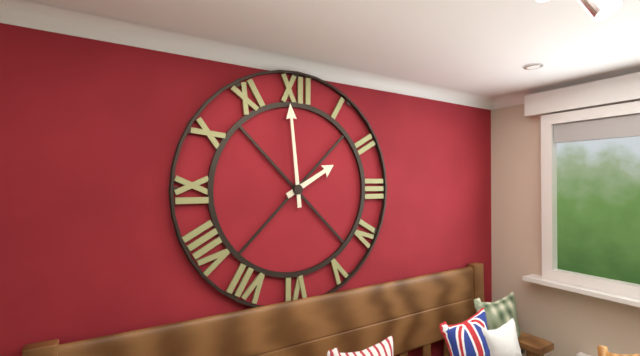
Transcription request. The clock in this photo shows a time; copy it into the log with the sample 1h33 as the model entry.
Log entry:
1h59
